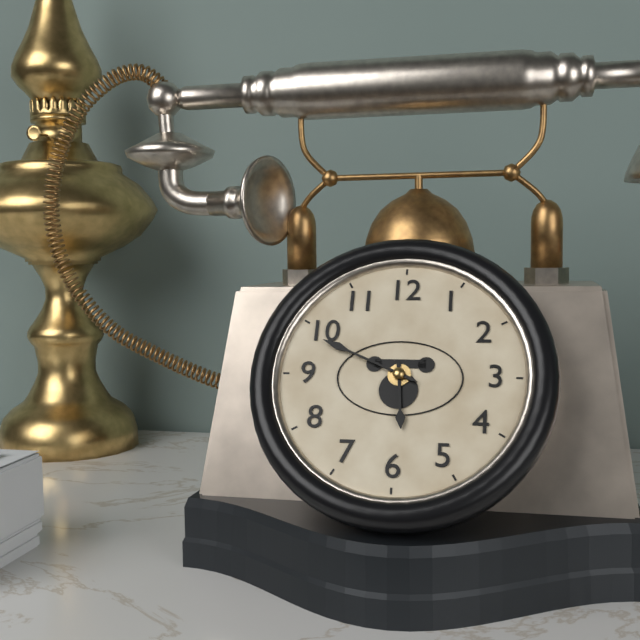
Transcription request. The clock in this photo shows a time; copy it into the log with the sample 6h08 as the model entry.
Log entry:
5h49
